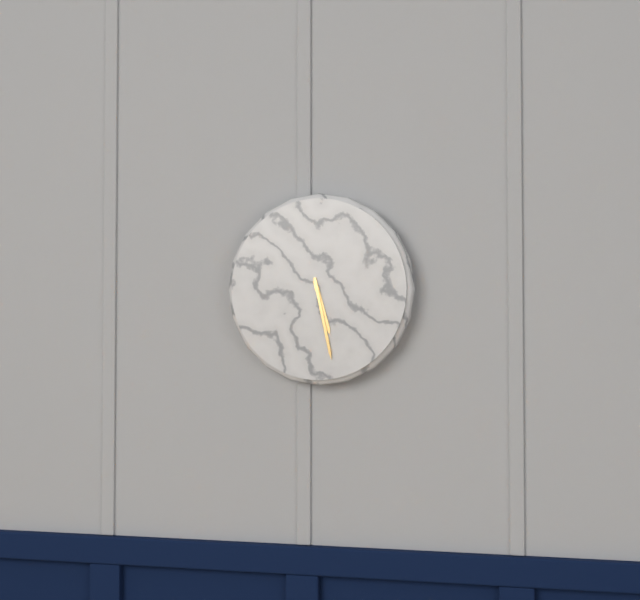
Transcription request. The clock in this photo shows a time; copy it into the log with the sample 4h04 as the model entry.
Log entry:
5h28
